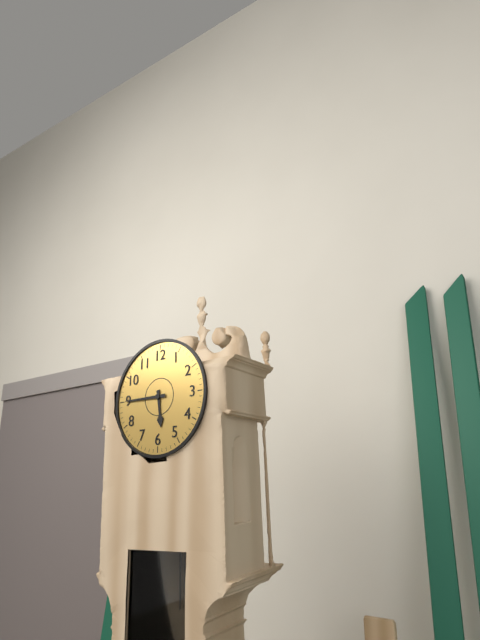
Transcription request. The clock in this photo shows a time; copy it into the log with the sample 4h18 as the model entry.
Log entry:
5h45
